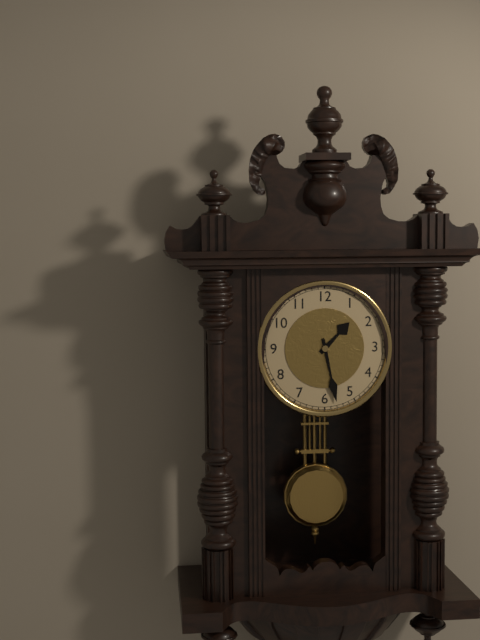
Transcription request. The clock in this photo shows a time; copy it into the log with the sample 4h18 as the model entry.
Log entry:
1h28
